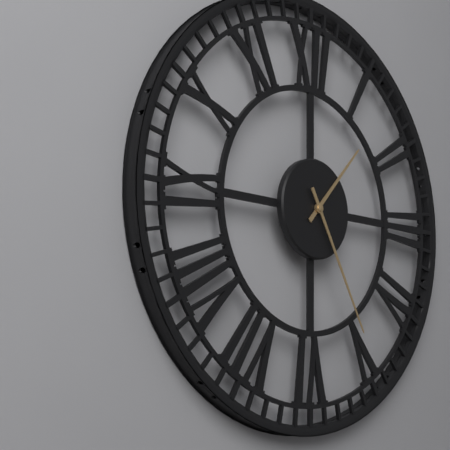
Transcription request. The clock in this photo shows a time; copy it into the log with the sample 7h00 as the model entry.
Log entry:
1h25
